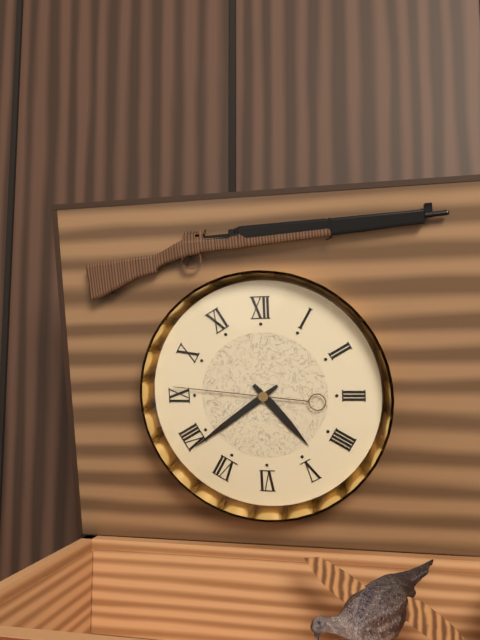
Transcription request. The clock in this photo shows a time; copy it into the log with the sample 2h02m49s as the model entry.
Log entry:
4h39m46s
